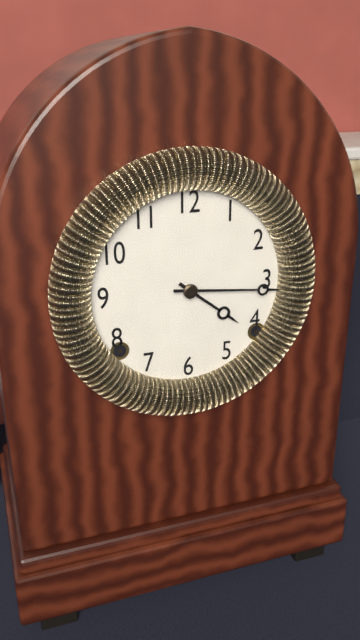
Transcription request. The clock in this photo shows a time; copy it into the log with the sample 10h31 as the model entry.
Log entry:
4h16
